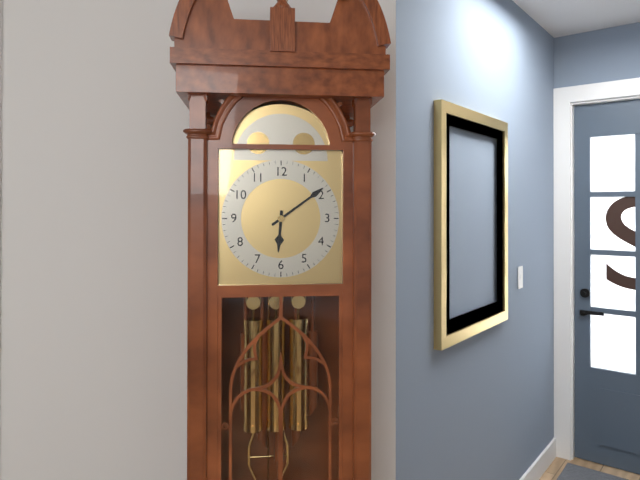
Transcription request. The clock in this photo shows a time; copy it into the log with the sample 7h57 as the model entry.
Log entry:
6h09
